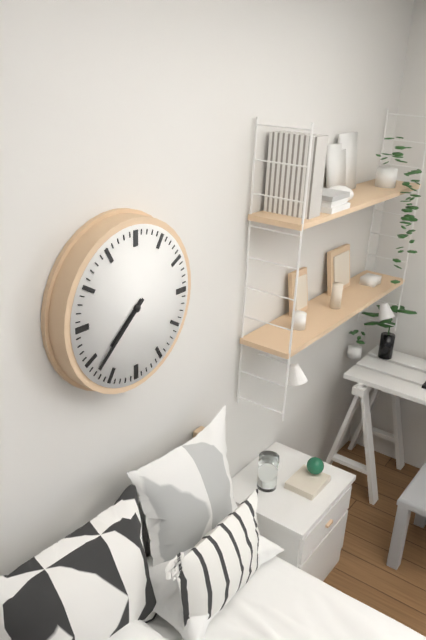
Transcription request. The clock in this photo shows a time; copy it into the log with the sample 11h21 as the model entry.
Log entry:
7h38
